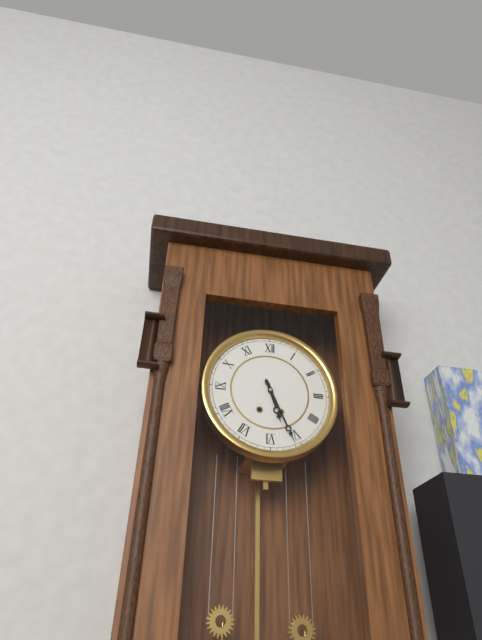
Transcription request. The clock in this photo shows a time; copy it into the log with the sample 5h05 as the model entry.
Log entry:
5h26
